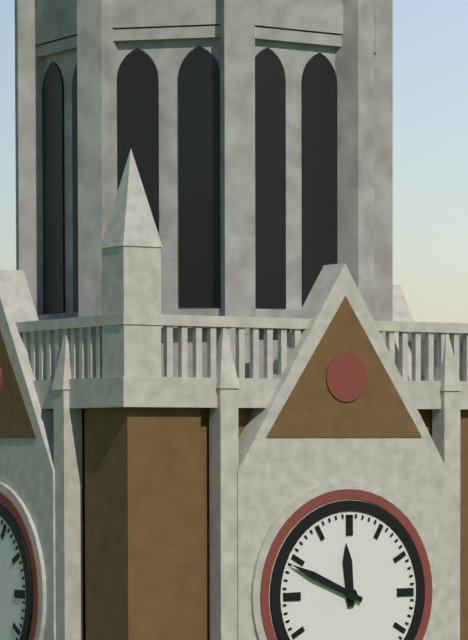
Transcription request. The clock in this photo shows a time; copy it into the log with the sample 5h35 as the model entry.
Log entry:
11h49
